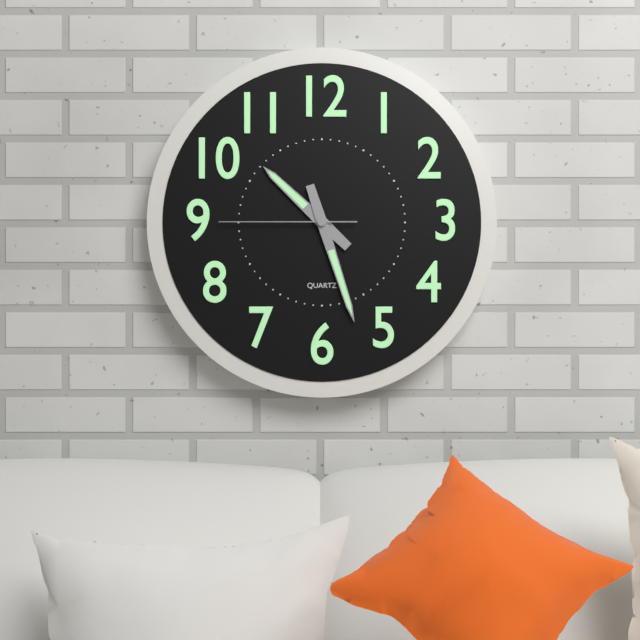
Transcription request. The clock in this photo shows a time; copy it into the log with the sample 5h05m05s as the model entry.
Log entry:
10h27m45s
